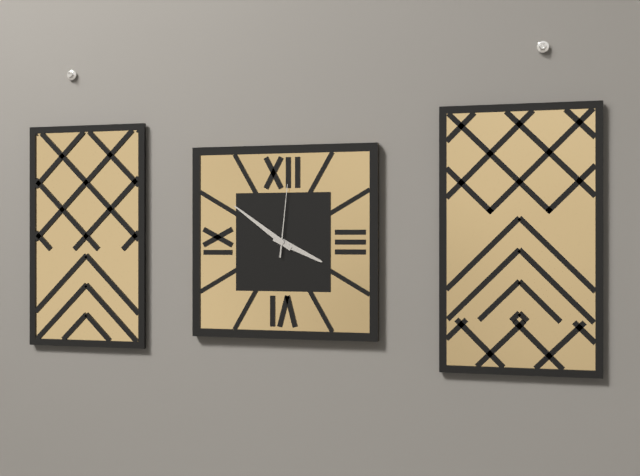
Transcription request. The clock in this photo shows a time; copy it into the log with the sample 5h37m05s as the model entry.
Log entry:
3h51m01s
